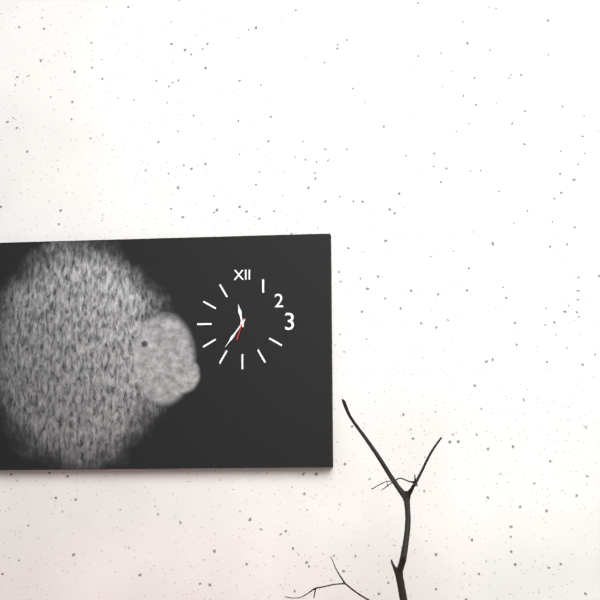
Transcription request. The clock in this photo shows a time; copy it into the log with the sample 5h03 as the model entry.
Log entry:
11h36
